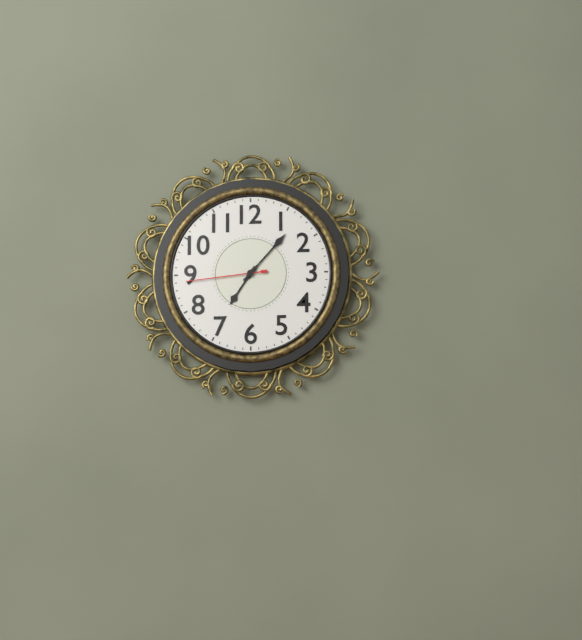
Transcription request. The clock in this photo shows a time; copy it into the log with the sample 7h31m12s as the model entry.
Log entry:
7h07m44s
